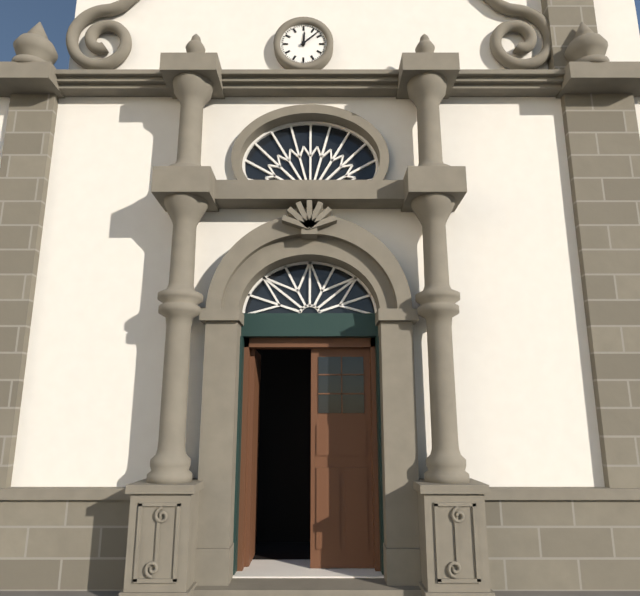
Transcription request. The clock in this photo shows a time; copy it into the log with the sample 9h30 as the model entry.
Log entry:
12h08
